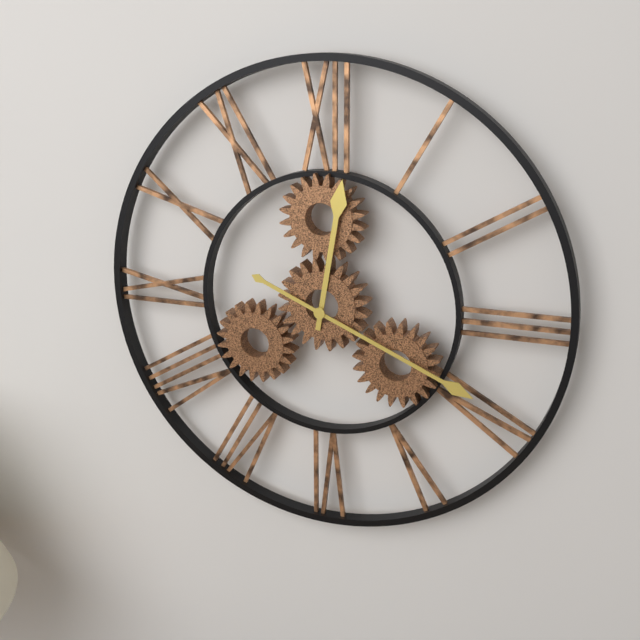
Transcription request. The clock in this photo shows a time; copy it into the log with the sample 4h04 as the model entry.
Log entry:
12h19
